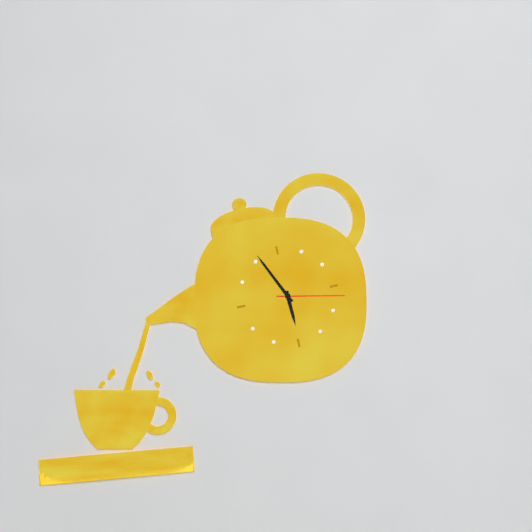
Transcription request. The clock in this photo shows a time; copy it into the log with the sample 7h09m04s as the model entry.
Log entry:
5h56m17s
